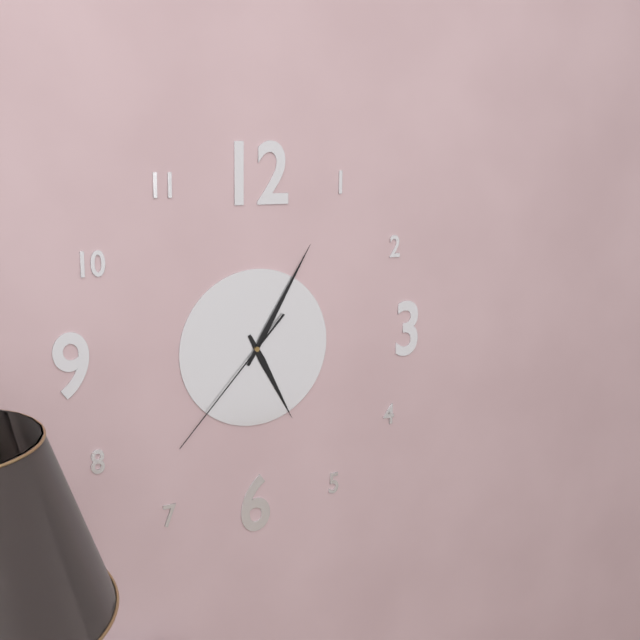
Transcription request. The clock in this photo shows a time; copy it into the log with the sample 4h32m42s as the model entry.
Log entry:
5h05m37s
